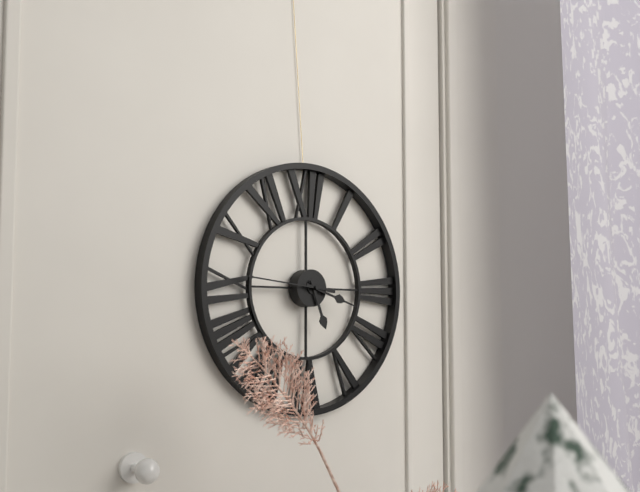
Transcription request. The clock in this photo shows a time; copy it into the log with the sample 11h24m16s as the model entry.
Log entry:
5h18m46s
